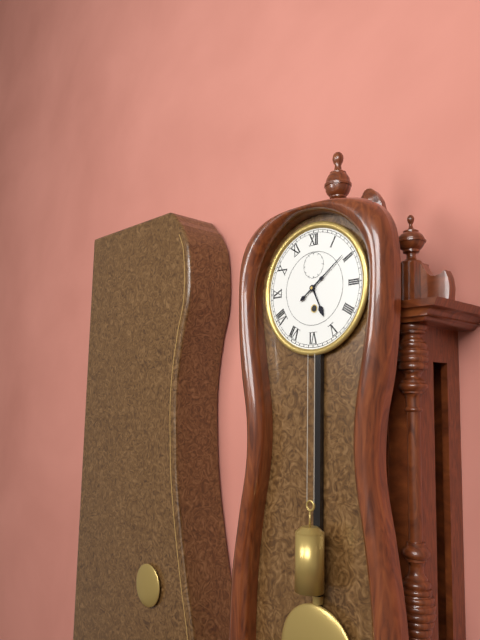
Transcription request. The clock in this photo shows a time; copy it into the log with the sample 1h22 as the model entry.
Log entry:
5h09
